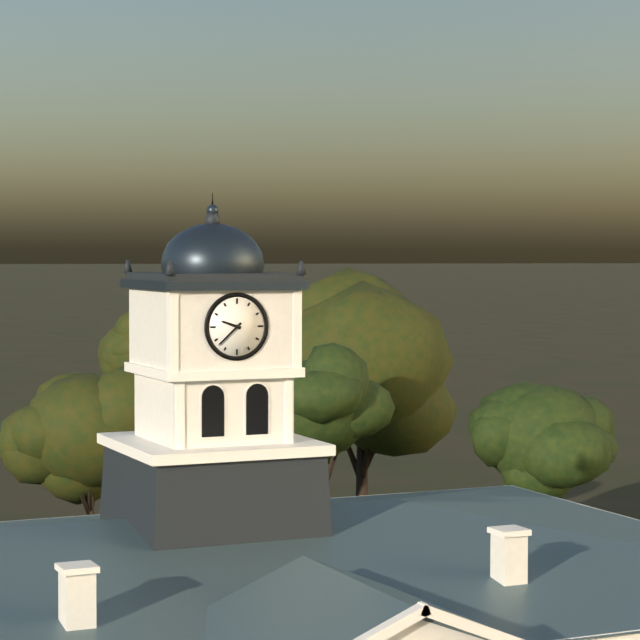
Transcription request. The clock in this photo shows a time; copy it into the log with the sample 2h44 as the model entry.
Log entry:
9h38
